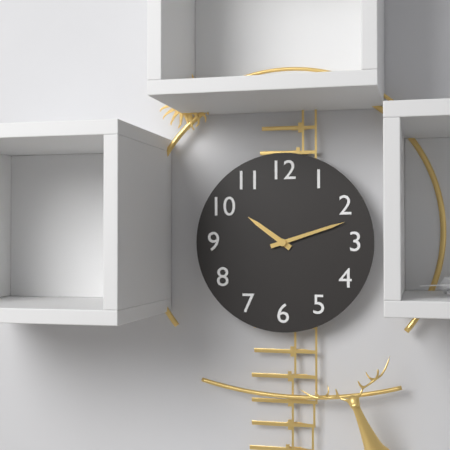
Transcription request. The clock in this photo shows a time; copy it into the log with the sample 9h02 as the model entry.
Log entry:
10h12
